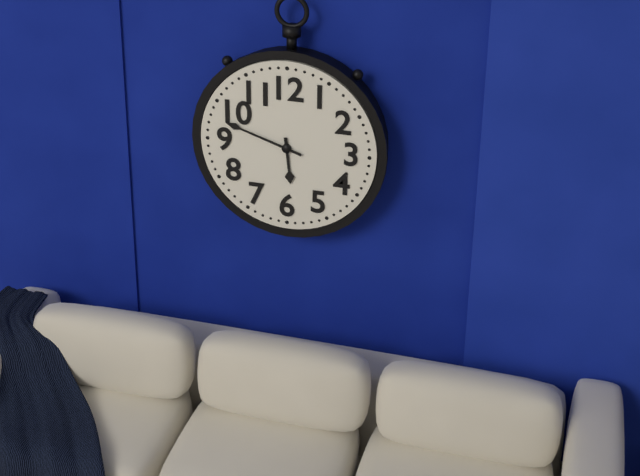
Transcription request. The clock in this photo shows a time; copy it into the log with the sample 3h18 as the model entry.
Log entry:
5h48
